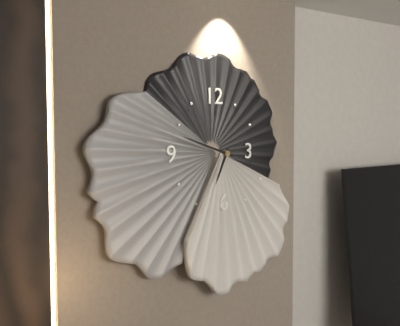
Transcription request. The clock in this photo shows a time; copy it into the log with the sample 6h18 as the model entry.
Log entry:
6h48
